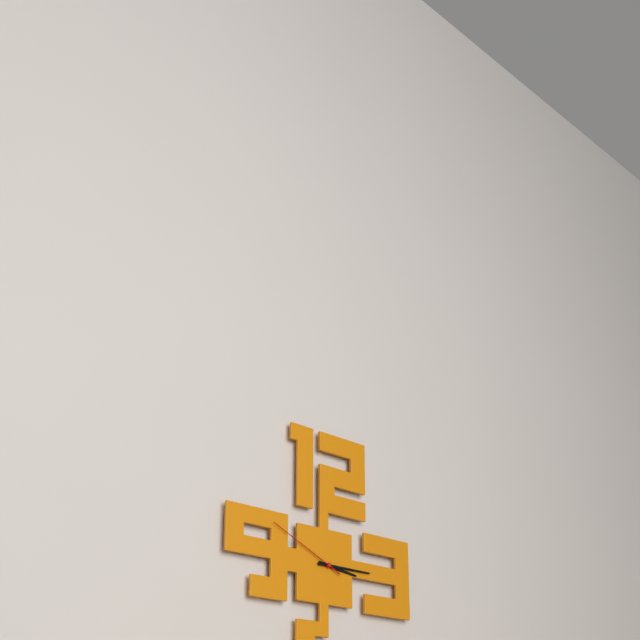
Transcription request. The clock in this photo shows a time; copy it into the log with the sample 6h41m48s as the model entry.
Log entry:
3h15m49s
